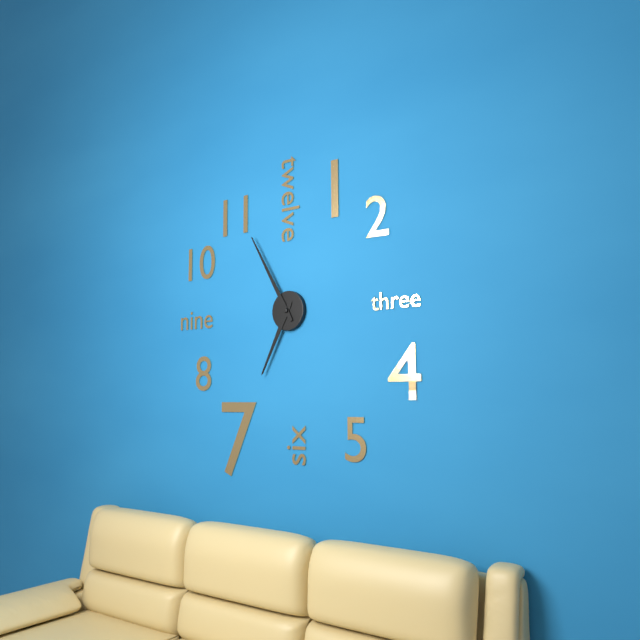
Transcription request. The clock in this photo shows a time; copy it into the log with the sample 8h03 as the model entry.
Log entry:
6h55
